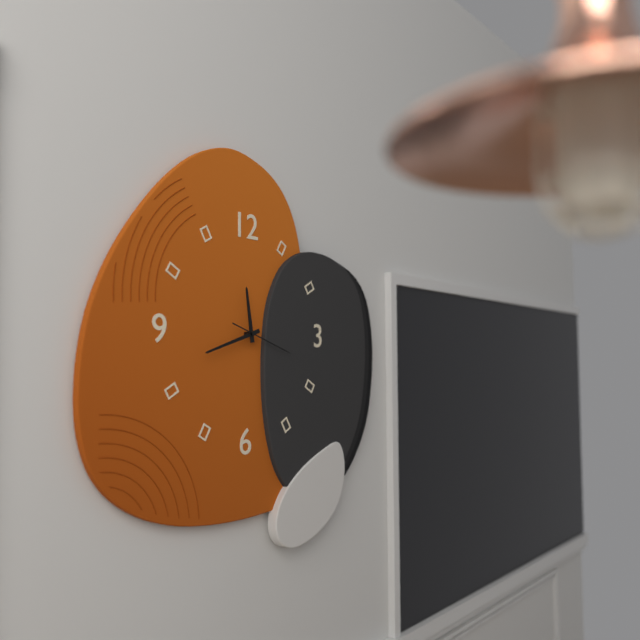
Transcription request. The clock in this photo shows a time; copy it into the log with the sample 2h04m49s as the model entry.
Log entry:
11h42m18s
